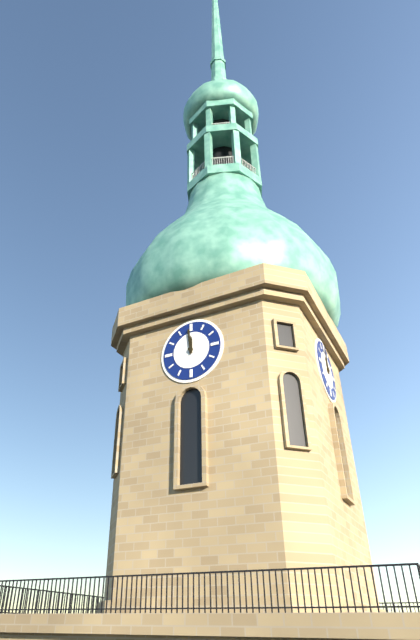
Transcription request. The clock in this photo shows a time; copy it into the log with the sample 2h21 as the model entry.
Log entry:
11h59
